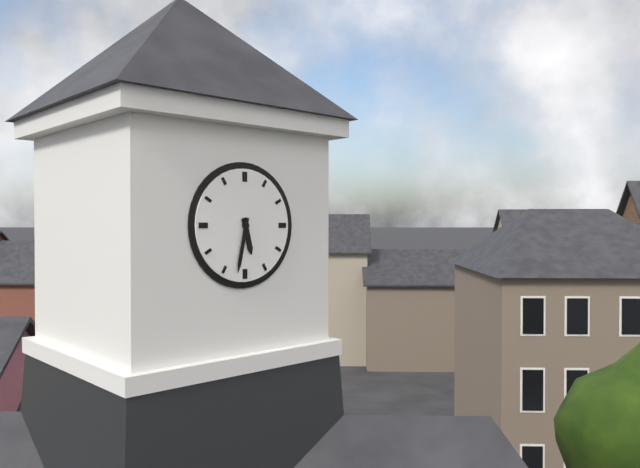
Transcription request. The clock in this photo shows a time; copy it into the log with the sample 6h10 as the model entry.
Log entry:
5h32
